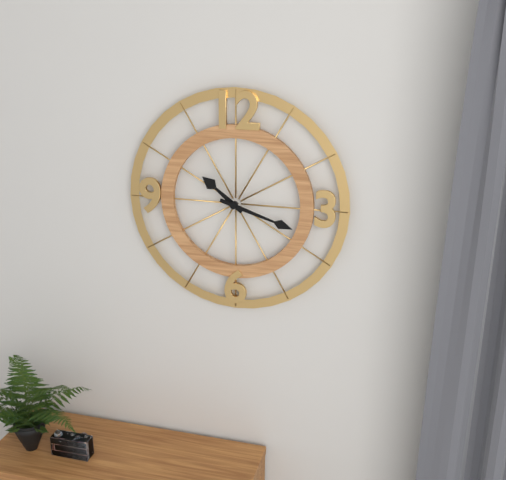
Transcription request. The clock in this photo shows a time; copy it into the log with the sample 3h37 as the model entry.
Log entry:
10h18
